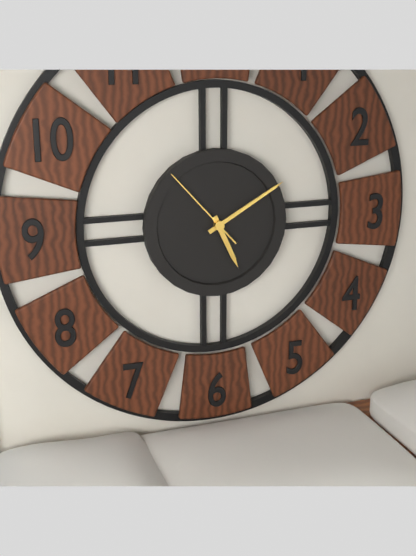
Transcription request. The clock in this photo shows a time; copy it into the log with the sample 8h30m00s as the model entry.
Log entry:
5h10m53s
